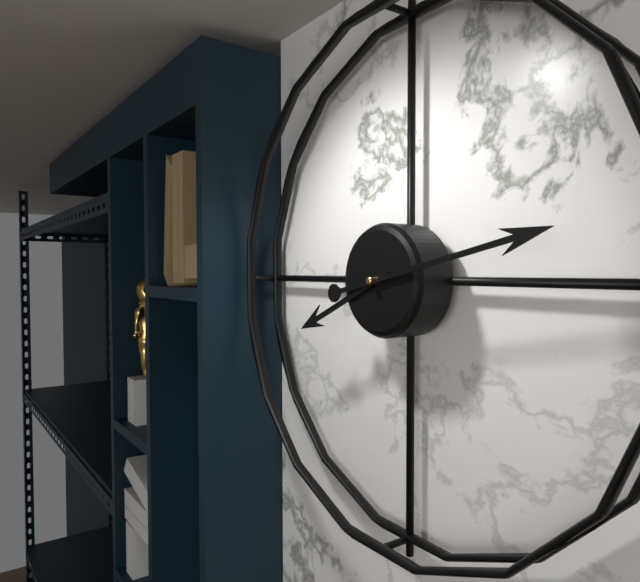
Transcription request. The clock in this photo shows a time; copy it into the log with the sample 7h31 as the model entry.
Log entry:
8h13
